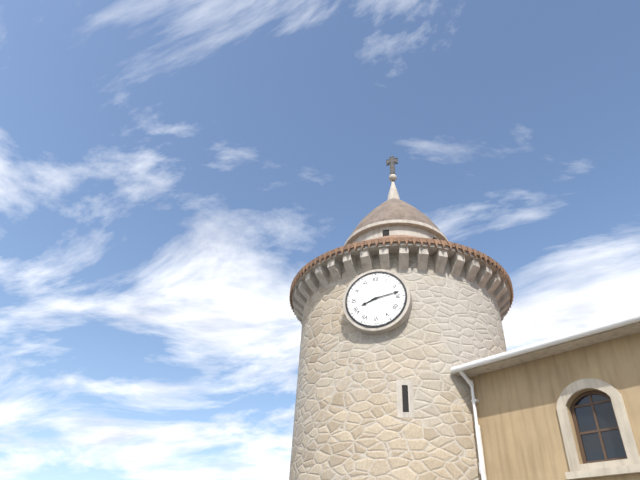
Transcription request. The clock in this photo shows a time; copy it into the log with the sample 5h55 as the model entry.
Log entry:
8h13
